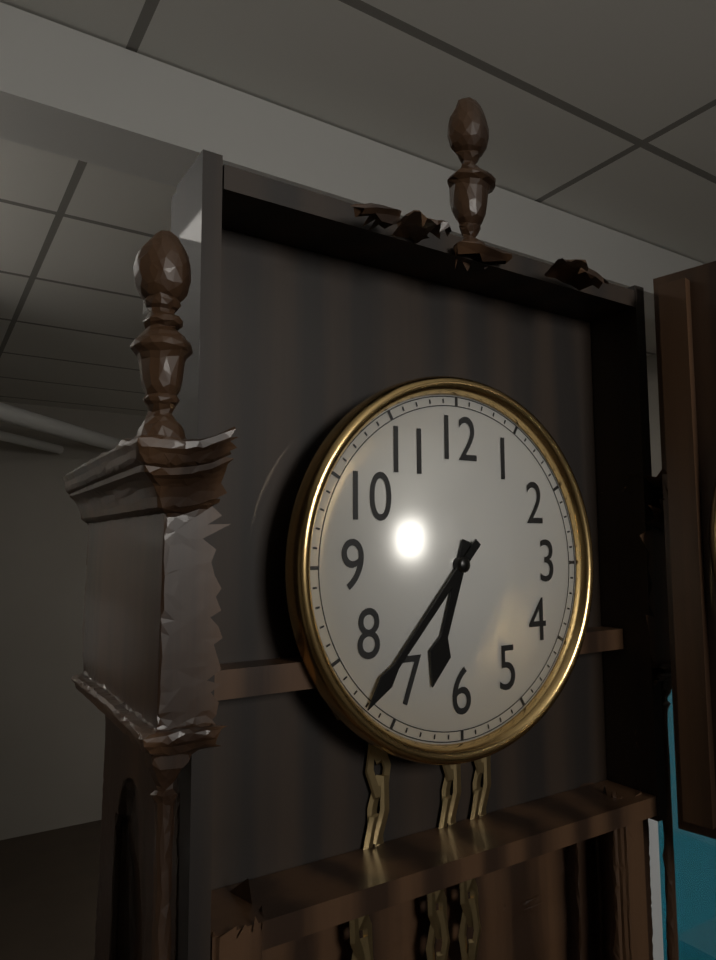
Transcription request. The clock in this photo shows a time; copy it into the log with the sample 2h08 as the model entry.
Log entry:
6h37
